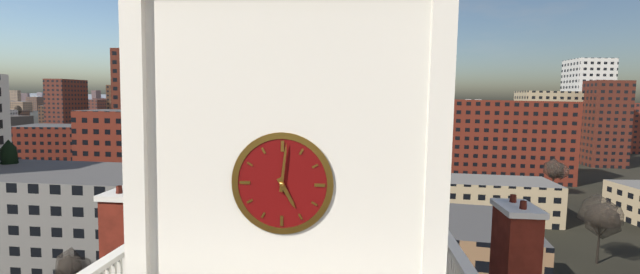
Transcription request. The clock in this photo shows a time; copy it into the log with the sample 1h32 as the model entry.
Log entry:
5h01
